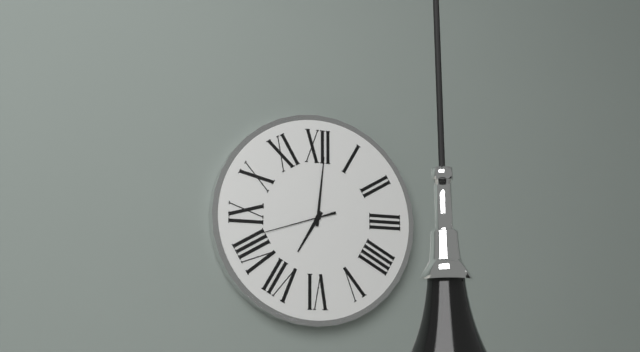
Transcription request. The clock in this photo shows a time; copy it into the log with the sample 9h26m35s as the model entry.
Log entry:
7h01m42s
